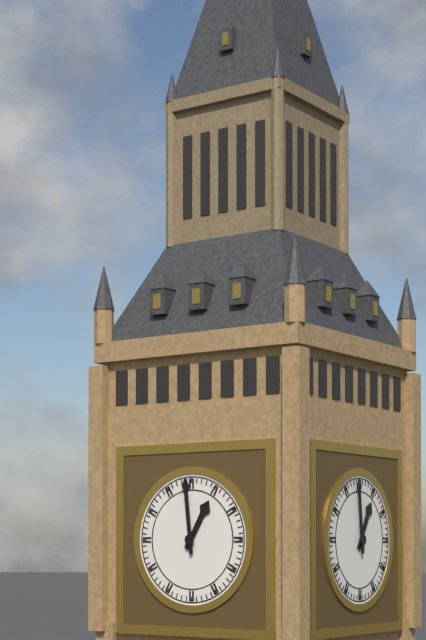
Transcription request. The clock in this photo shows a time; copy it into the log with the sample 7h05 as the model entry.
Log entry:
12h59
